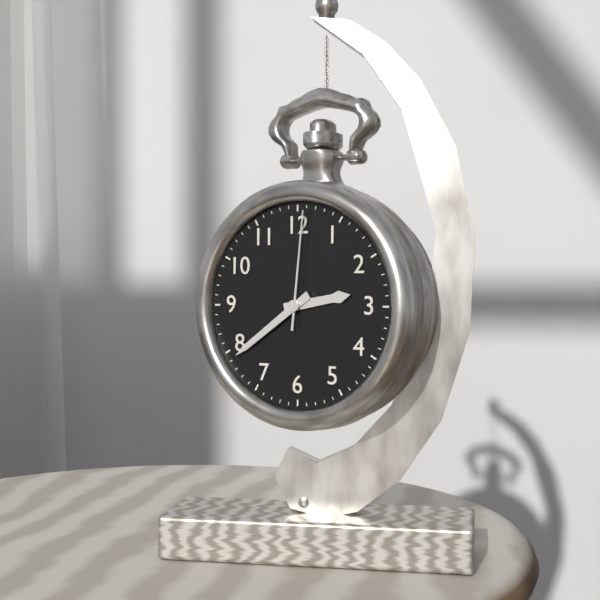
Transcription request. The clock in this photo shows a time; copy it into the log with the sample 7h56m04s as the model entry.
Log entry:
2h39m01s
